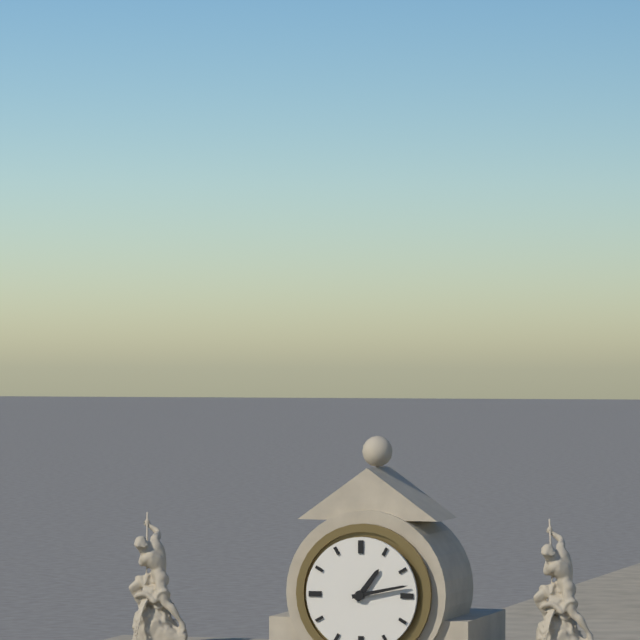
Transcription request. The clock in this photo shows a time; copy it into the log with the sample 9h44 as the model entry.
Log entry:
1h13
